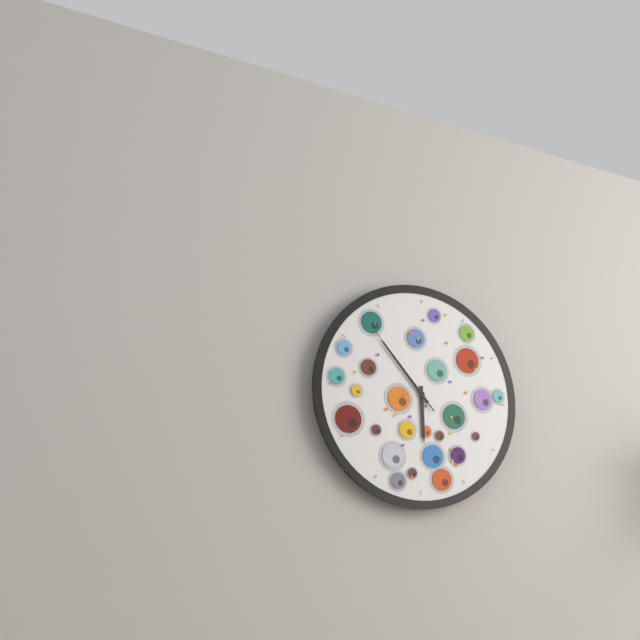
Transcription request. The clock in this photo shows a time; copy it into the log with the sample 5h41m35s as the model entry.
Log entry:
5h53m53s
